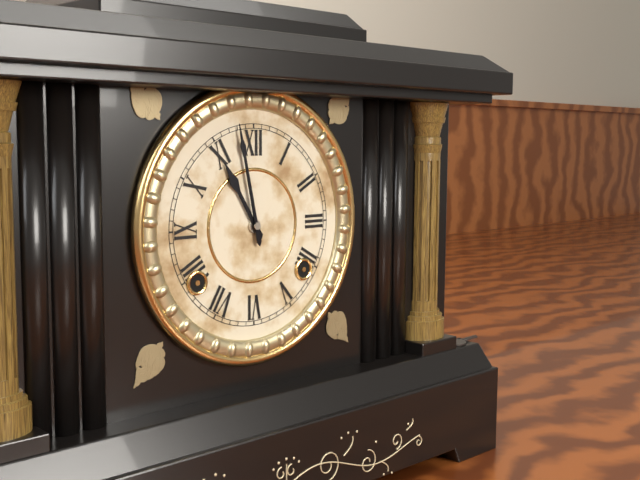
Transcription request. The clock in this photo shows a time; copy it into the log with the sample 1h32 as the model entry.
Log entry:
10h58
